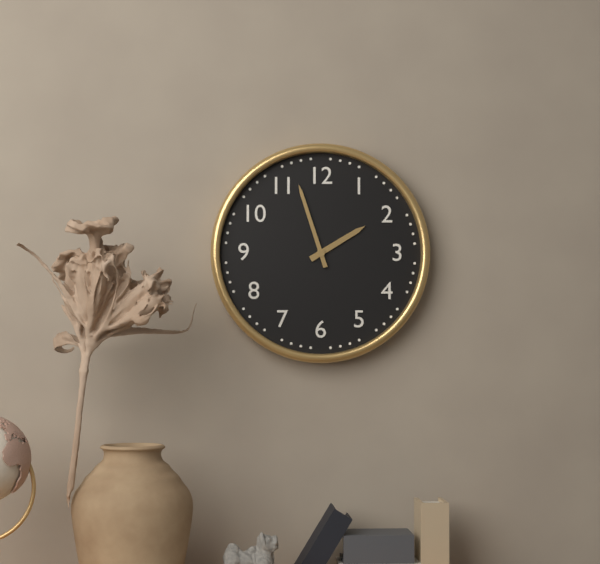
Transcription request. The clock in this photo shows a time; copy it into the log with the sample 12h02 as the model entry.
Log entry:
1h57
